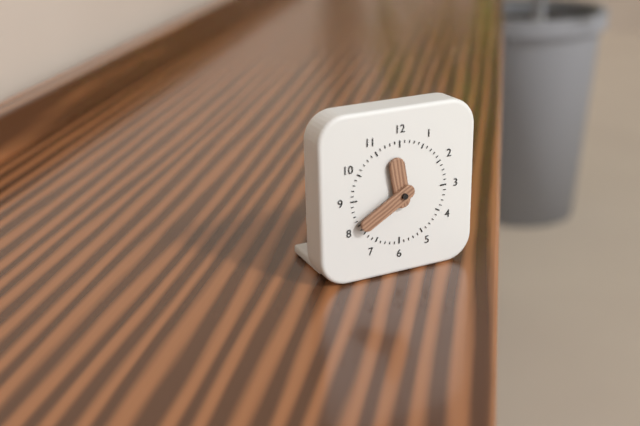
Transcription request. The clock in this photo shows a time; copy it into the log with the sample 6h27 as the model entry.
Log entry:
11h40
